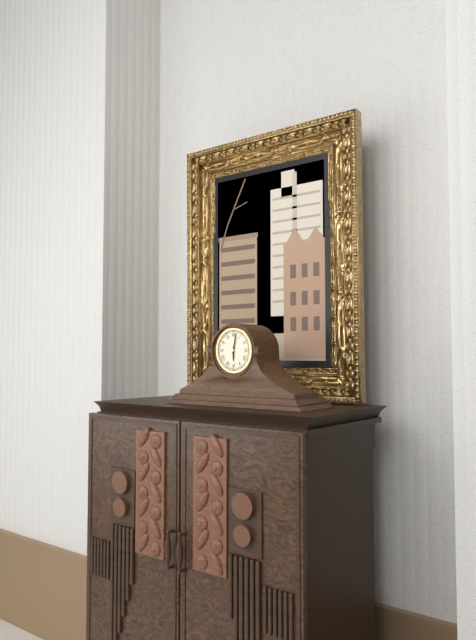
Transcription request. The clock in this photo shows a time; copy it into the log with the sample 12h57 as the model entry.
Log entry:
6h02
